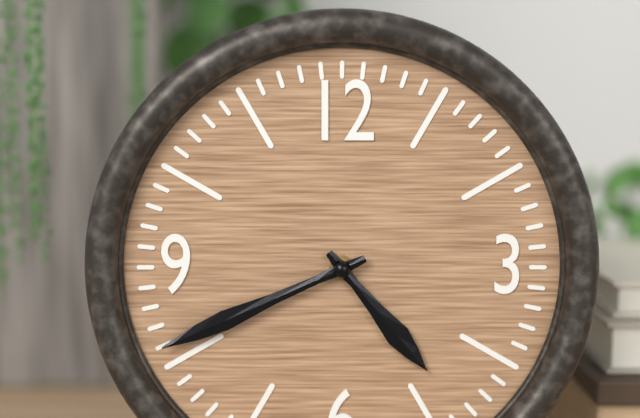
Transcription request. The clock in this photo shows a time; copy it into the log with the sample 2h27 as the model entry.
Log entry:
4h41
